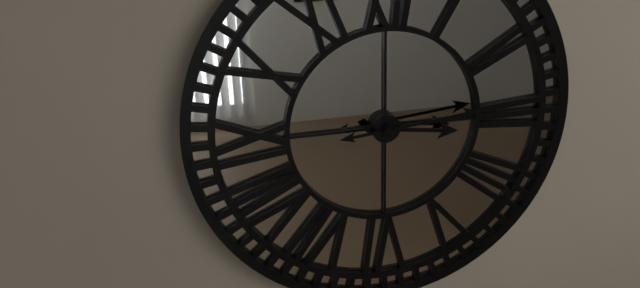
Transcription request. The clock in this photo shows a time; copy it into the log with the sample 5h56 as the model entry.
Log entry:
3h14
